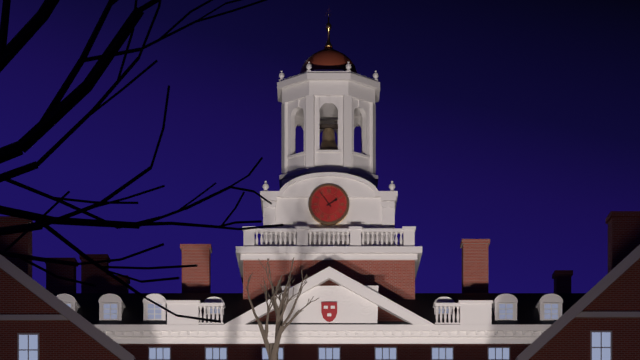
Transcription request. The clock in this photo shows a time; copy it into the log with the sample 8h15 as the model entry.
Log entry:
1h54
